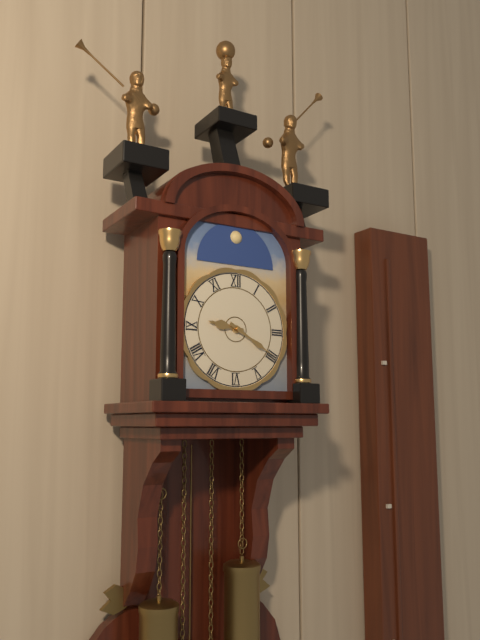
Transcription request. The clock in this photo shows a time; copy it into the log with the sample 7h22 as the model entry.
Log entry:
9h20
